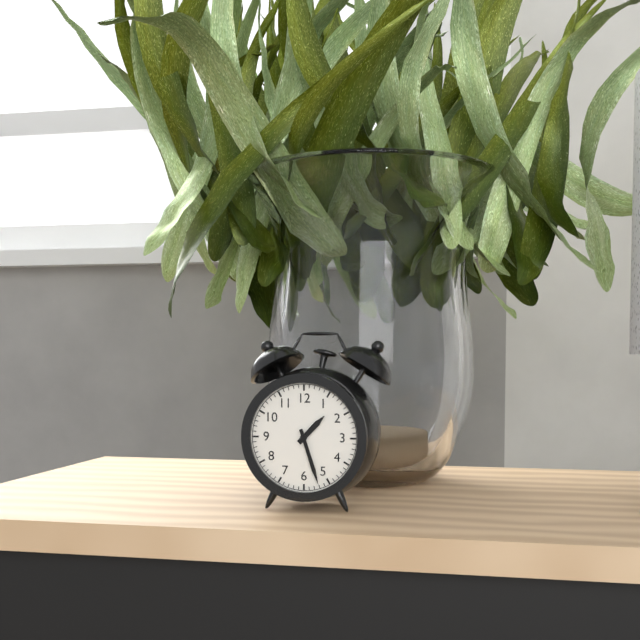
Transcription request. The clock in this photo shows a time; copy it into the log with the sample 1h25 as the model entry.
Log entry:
1h27
